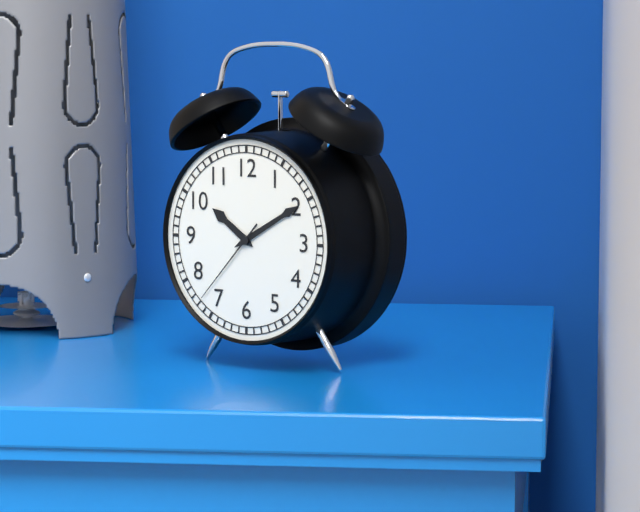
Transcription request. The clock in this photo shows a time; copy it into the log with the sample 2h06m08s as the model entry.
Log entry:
10h10m37s
